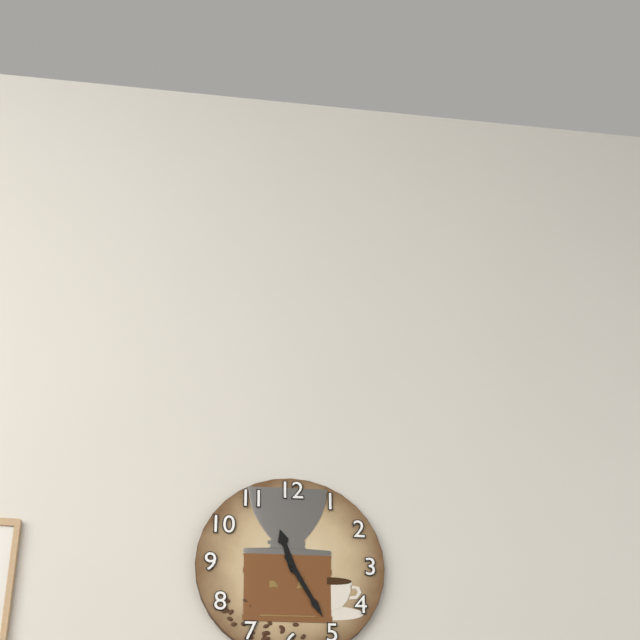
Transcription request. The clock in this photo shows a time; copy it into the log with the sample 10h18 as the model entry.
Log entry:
11h25
